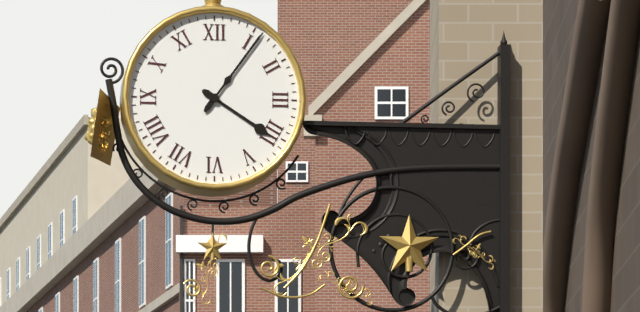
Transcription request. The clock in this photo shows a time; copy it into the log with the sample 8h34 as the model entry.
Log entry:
4h06
